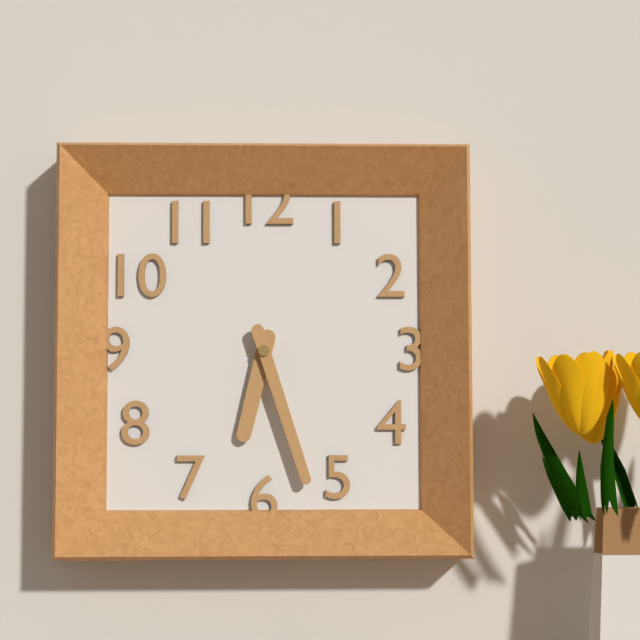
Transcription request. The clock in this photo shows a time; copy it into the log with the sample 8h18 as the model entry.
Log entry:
6h27
